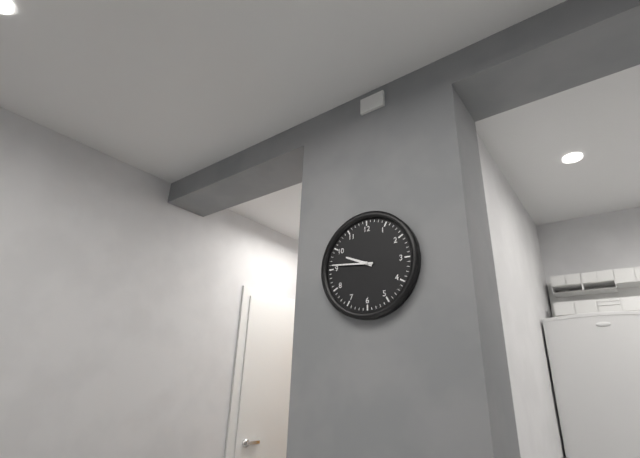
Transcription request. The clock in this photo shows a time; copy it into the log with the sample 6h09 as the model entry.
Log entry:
9h46
